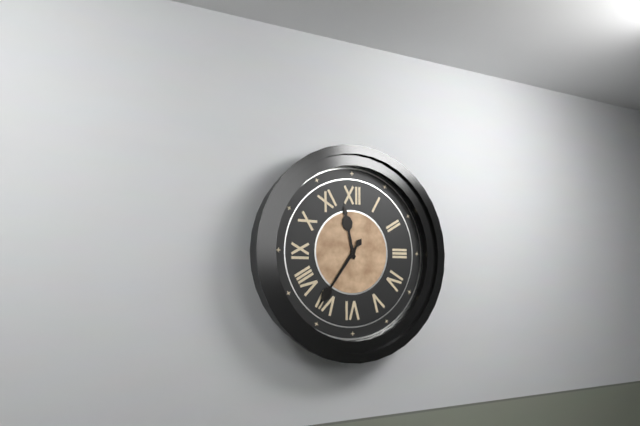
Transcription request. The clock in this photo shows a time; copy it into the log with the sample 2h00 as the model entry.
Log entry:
11h36
